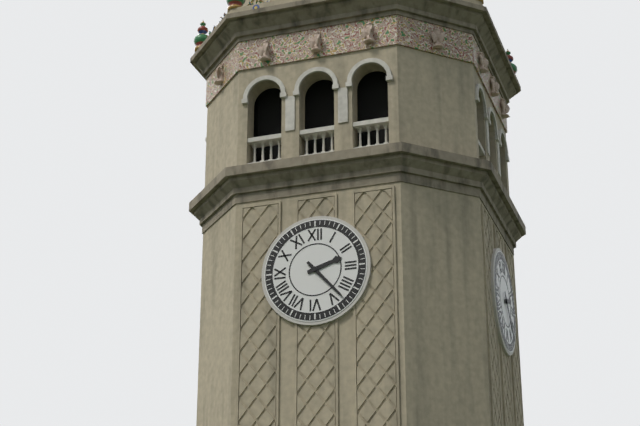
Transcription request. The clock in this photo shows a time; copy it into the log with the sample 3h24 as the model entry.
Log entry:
2h23
